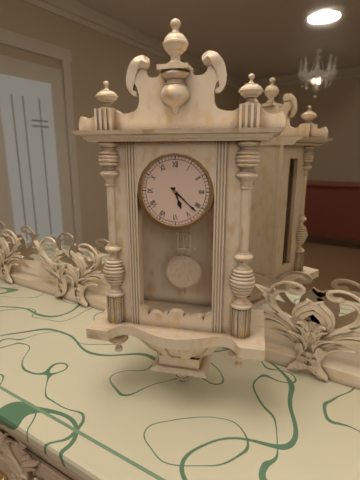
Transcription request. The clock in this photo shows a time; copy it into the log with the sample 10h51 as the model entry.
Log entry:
5h22
